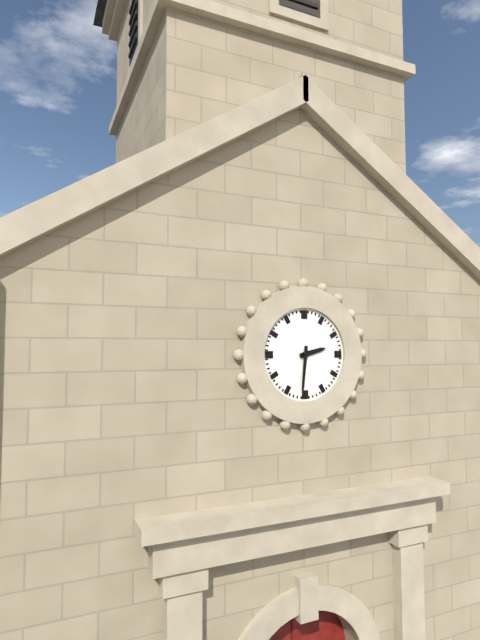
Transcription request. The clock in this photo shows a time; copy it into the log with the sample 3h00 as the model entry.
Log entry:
2h31
